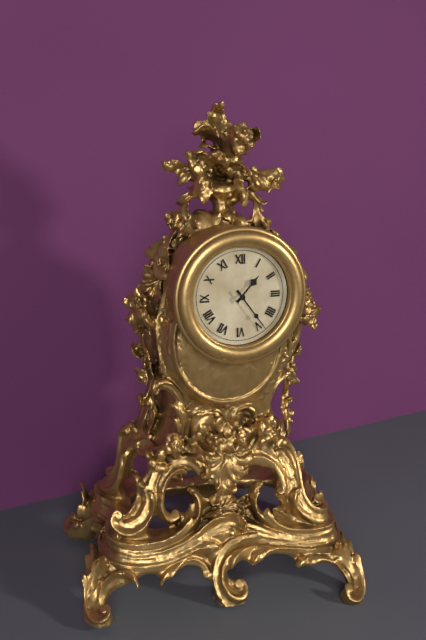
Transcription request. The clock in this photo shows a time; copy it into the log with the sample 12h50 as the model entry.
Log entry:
1h24
